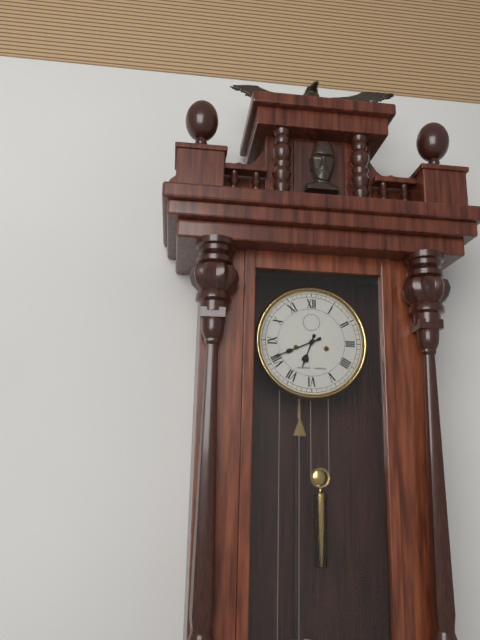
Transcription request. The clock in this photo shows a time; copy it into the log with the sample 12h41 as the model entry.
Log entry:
6h41
